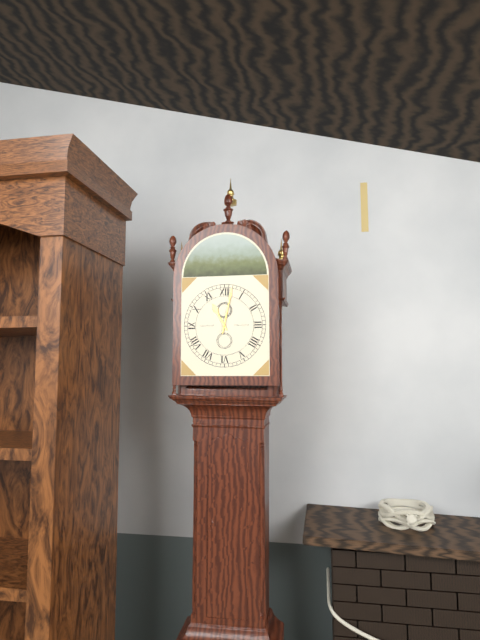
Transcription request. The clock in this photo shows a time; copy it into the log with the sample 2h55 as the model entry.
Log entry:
11h02
